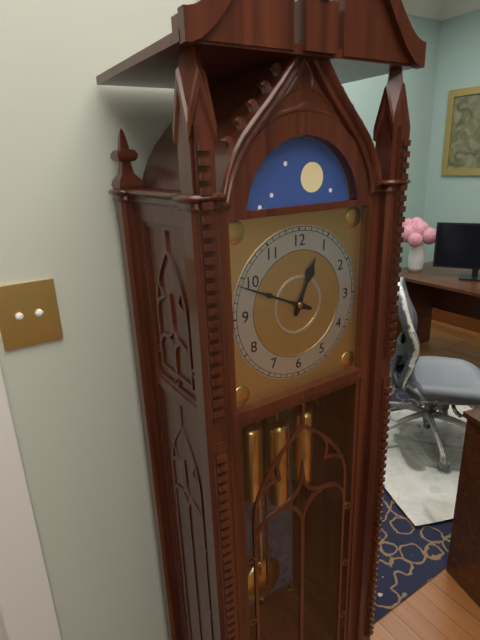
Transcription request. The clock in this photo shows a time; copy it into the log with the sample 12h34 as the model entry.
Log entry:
12h49
